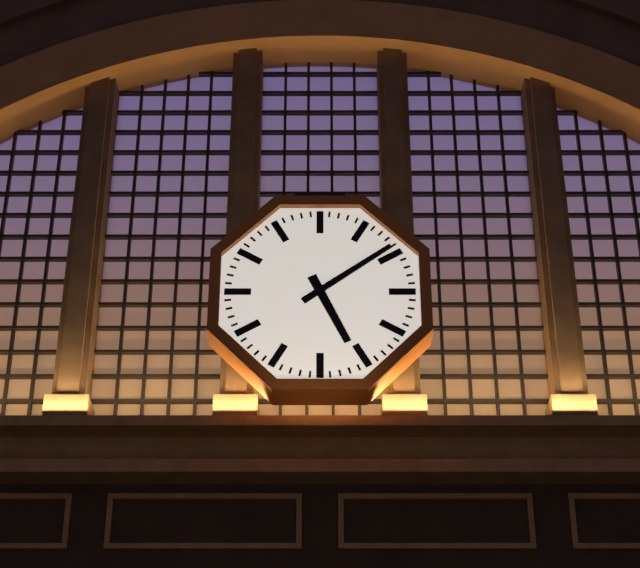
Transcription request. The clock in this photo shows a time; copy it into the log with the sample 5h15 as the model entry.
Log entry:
5h09
